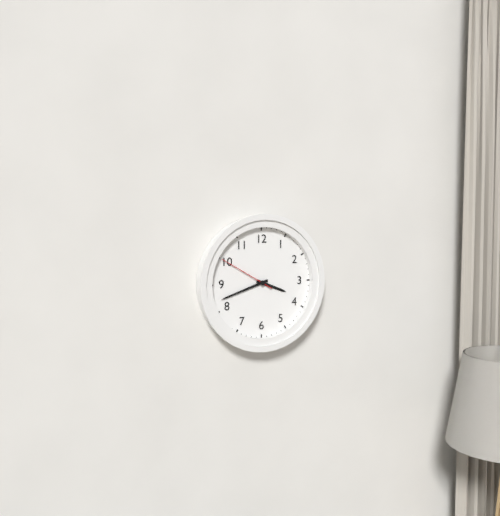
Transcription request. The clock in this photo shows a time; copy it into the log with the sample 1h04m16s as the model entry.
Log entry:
3h42m50s
